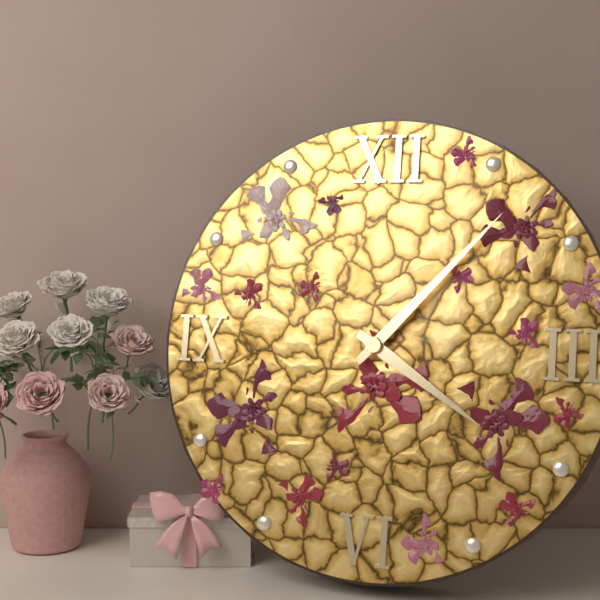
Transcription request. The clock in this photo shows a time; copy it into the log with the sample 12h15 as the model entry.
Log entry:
4h07
